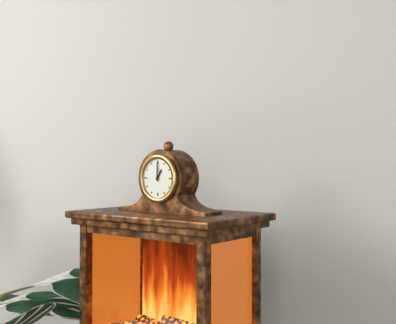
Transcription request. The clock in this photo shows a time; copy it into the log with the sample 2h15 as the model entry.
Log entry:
1h00
